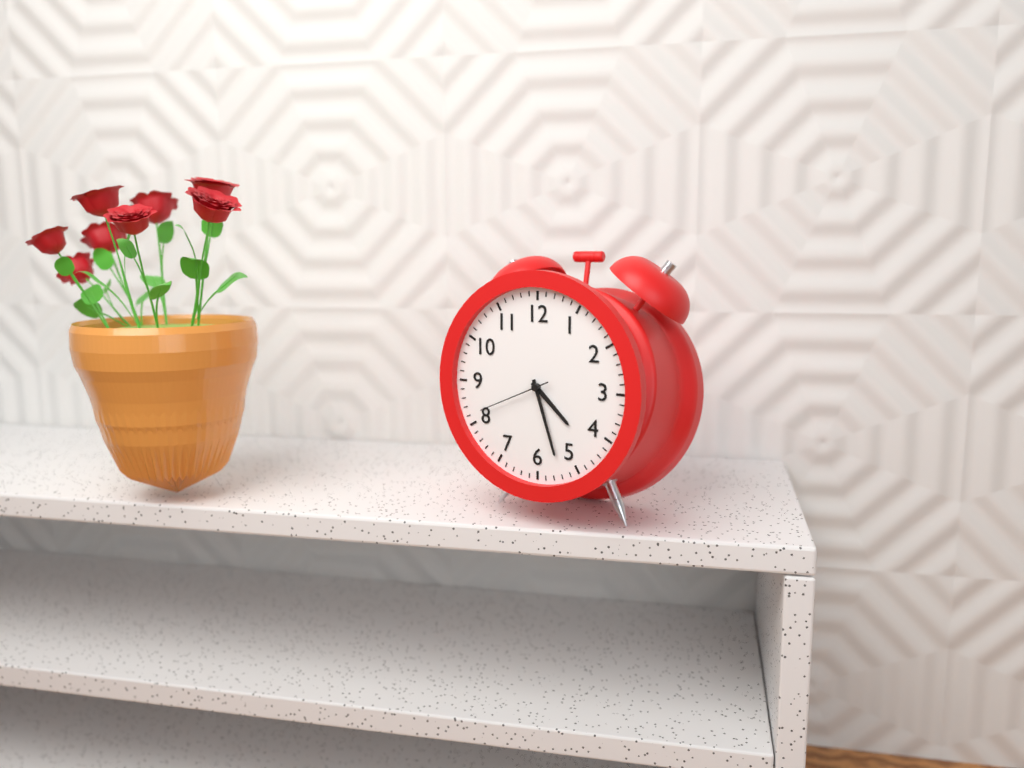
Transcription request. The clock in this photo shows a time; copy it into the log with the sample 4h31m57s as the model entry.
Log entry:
4h27m41s
